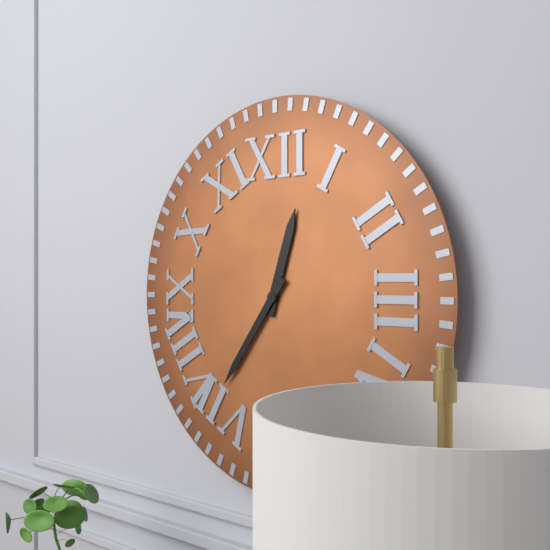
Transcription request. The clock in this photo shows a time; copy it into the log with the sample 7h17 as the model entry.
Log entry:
12h36
